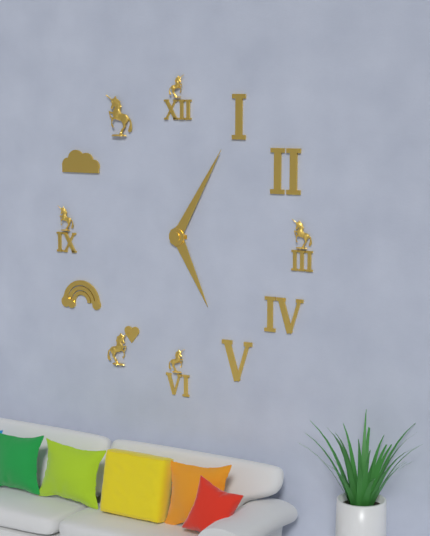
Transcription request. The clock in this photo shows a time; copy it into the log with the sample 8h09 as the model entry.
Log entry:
5h05
